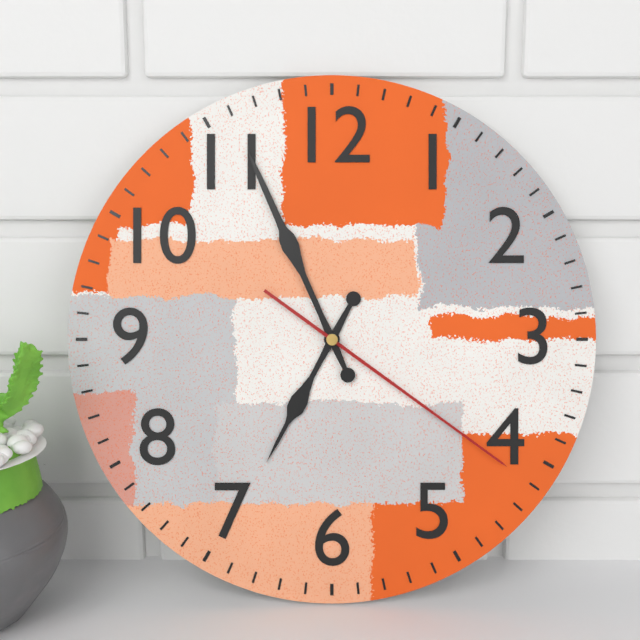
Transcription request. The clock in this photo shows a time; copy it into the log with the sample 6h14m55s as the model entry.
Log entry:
6h56m21s
